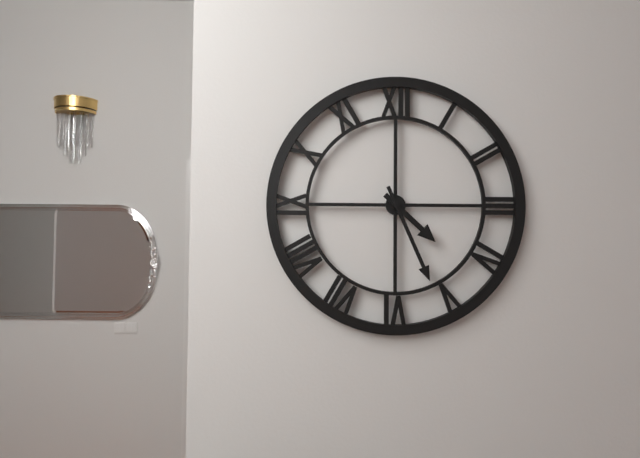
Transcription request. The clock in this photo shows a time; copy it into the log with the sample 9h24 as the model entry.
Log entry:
4h26
